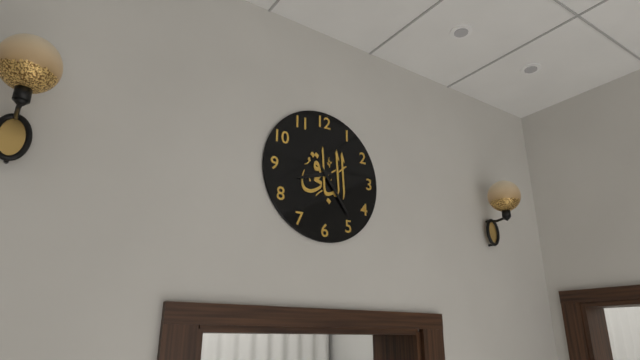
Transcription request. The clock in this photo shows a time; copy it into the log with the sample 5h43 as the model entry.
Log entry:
8h24
